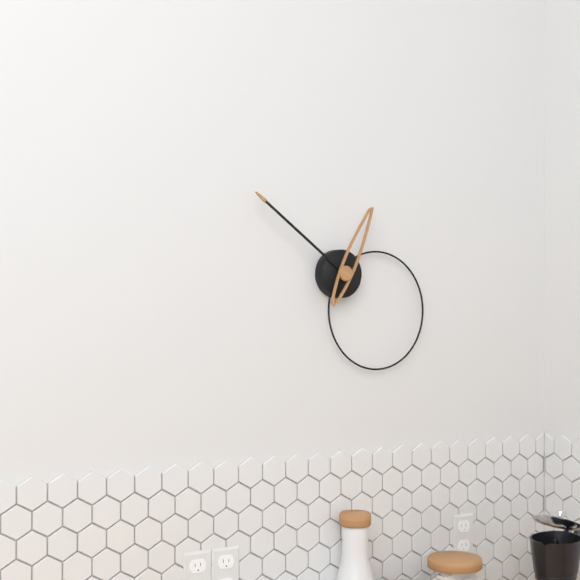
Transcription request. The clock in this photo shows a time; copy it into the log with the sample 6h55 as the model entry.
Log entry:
12h51
